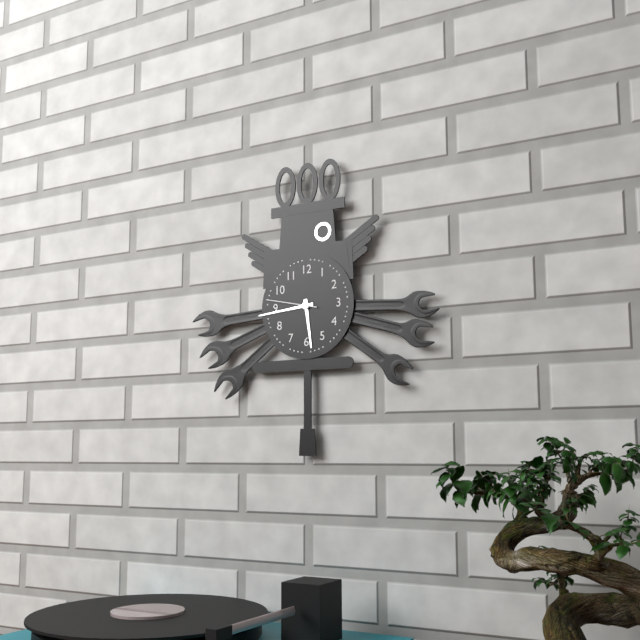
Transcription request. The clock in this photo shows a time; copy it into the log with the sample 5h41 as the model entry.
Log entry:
5h44
